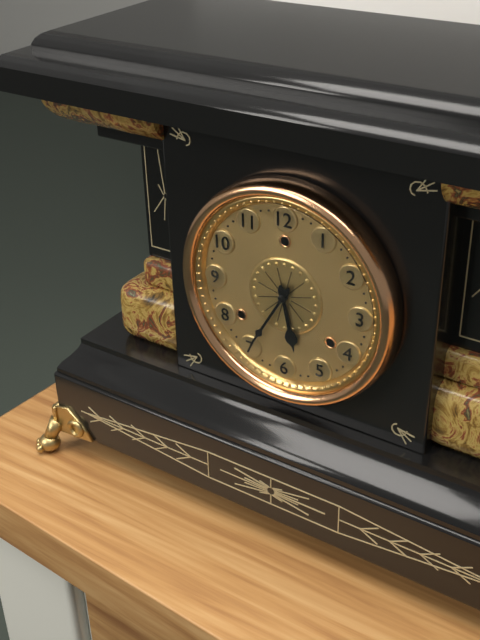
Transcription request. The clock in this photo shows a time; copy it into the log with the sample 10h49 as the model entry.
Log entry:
5h35
